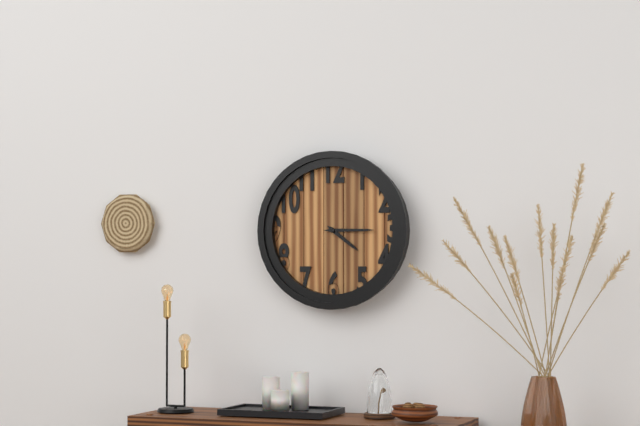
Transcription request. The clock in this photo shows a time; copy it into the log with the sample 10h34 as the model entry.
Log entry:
4h15
